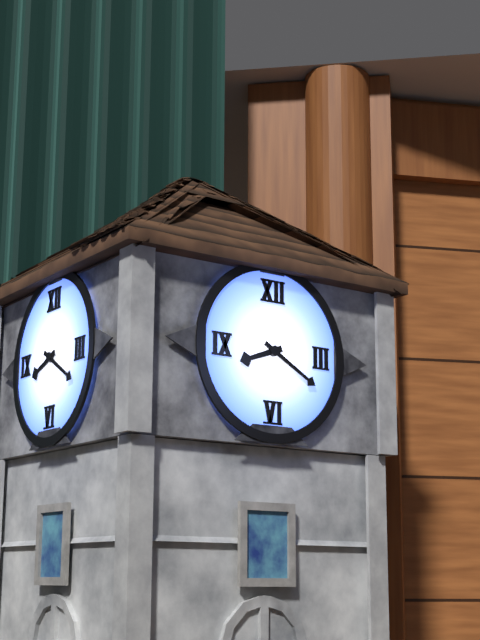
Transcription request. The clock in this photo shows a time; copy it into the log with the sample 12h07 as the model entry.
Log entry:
8h20
